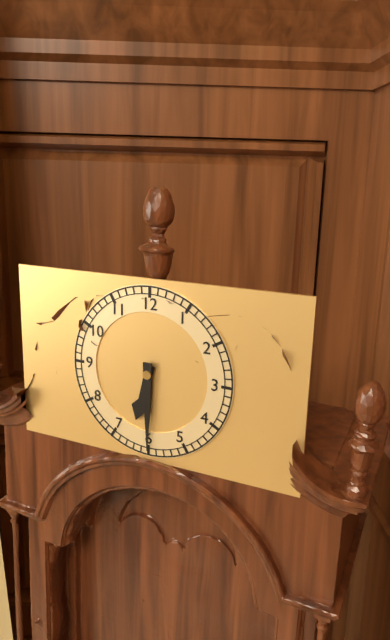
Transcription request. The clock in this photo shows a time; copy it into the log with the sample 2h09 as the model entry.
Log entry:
6h30
